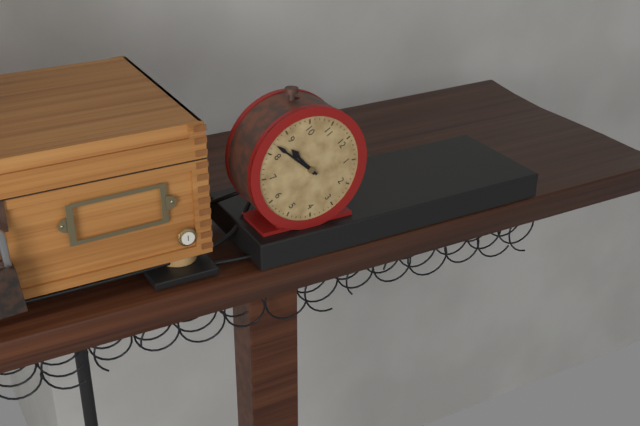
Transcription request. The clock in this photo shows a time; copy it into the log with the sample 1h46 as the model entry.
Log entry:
8h42
